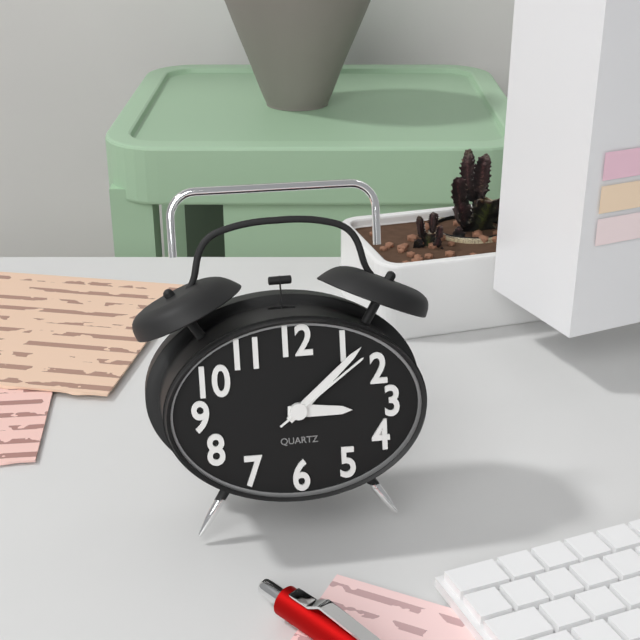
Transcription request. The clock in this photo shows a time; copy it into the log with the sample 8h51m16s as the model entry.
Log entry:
3h08m09s
